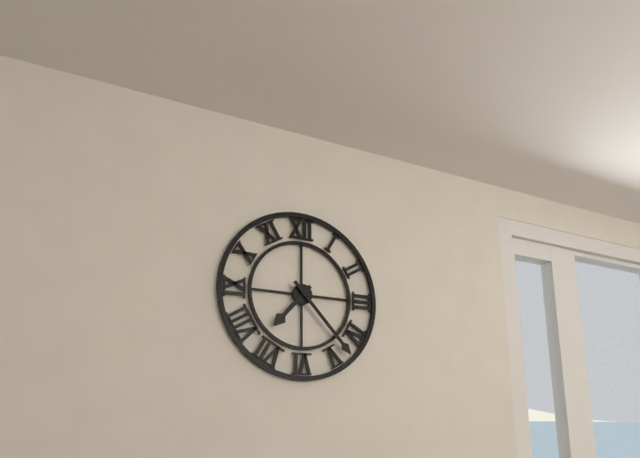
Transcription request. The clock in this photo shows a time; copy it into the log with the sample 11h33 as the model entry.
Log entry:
7h23
